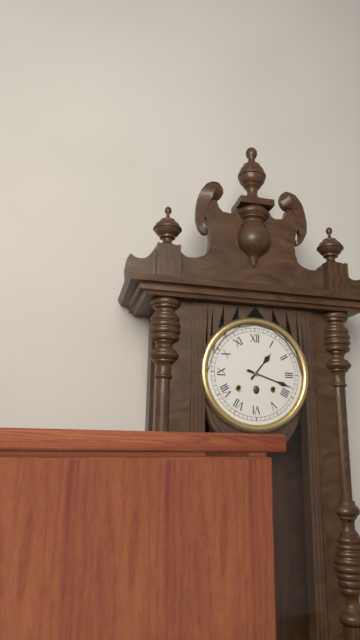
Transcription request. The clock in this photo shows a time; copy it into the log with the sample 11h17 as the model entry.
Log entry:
1h18
